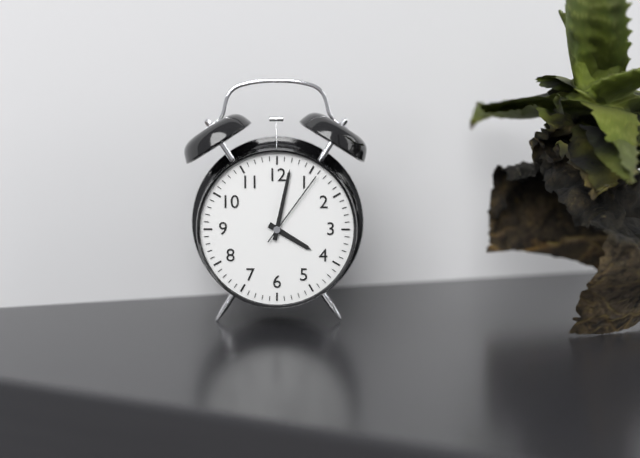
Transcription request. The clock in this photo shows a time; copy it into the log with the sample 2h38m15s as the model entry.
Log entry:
4h02m06s
